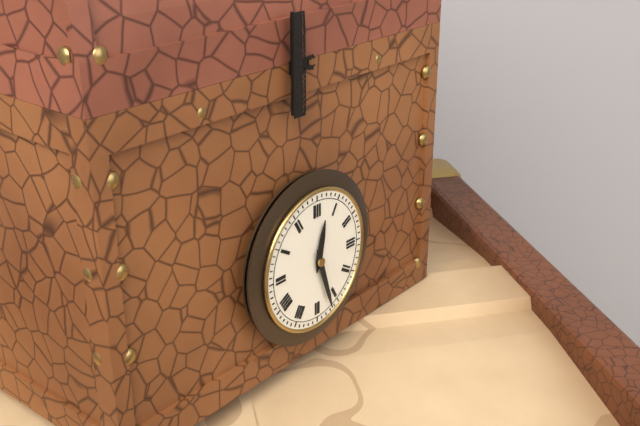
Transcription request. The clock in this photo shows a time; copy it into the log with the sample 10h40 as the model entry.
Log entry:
12h27
